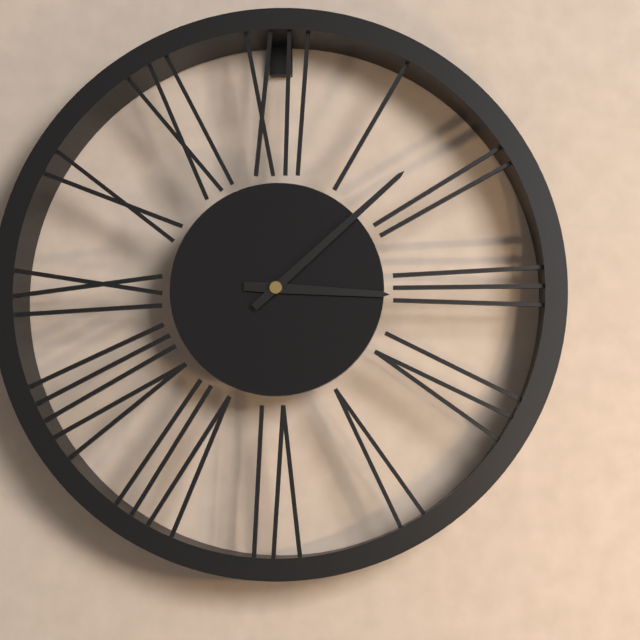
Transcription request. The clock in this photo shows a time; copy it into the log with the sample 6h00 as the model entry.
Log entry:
3h08
